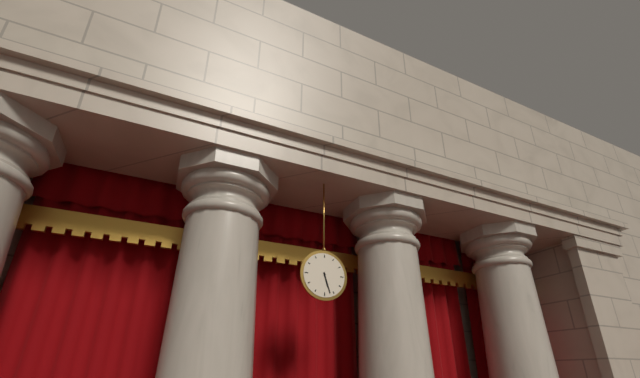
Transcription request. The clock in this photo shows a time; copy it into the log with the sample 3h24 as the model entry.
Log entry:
5h27
